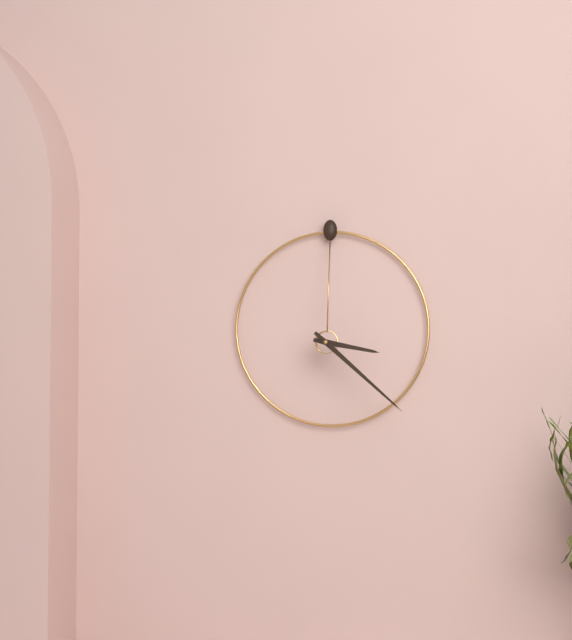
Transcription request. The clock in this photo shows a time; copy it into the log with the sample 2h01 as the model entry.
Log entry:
3h22
